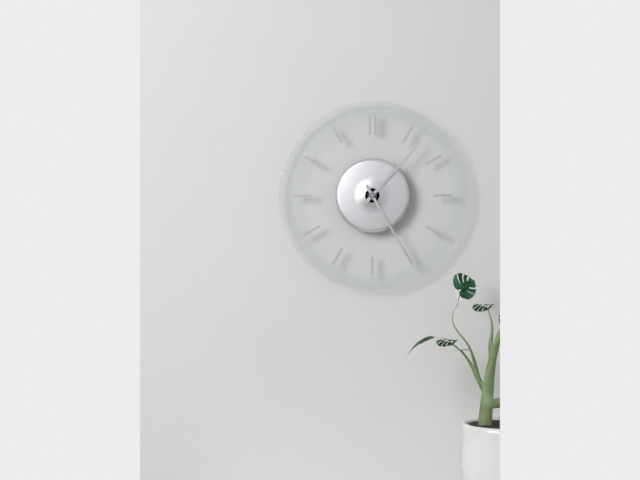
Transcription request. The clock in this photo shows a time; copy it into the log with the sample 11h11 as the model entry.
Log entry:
1h25
